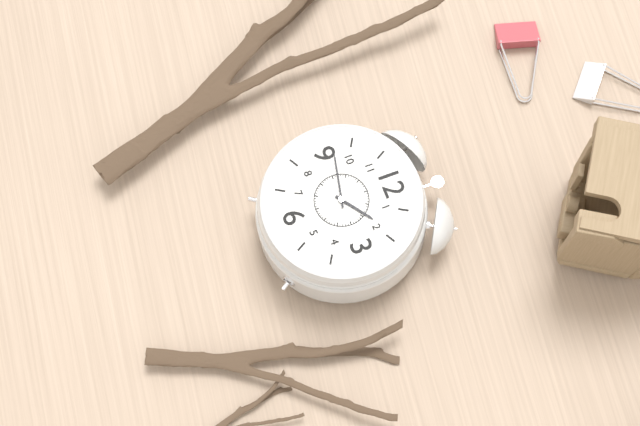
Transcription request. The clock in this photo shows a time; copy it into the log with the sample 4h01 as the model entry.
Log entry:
1h47
